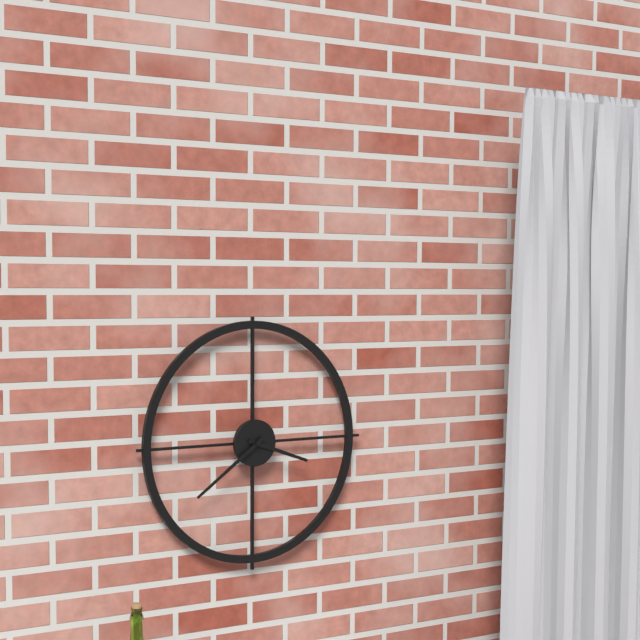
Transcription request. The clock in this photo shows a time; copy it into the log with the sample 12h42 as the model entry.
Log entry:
3h39
